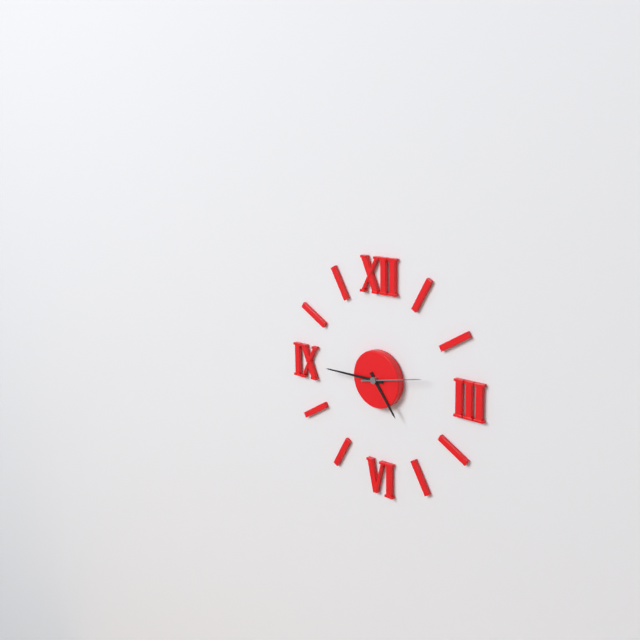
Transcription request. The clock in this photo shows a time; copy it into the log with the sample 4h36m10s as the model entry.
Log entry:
4h45m13s
